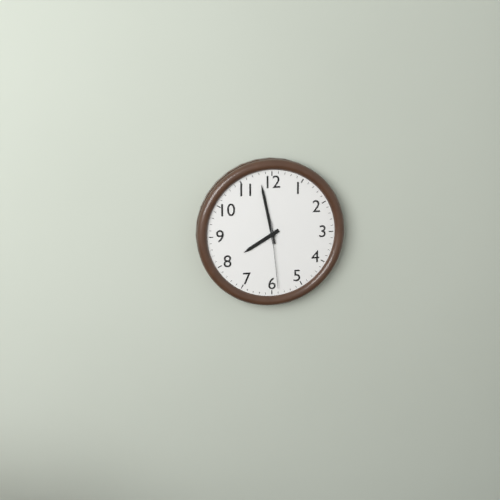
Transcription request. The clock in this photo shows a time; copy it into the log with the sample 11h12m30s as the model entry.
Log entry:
7h58m29s
